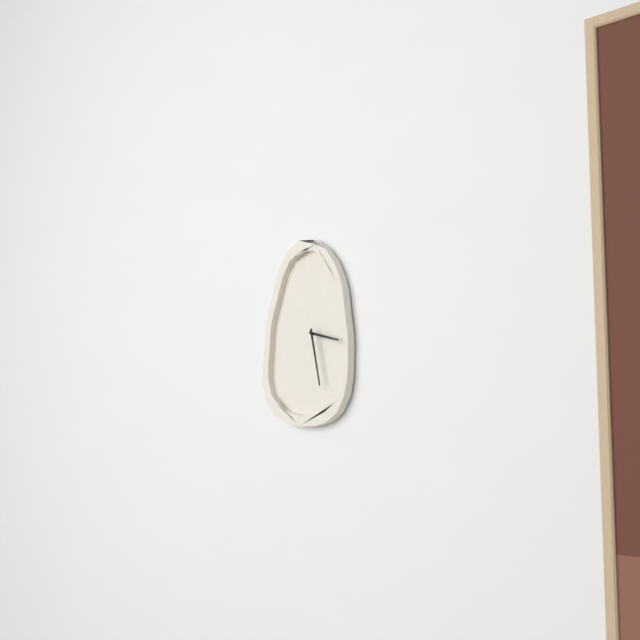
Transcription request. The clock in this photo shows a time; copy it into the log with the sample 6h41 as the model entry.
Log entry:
3h28
